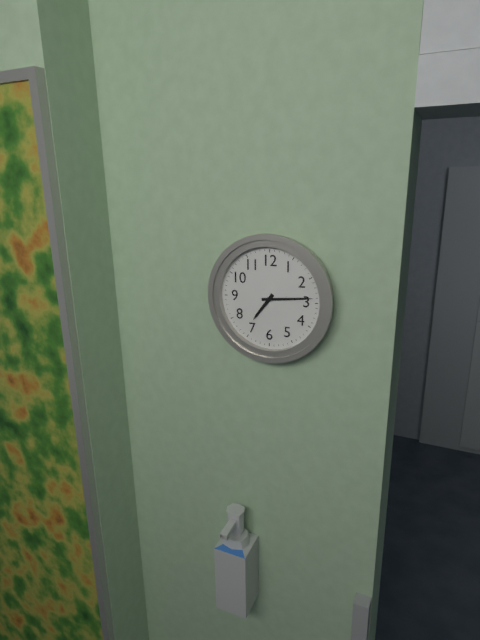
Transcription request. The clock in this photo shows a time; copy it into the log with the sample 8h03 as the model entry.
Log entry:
7h14
